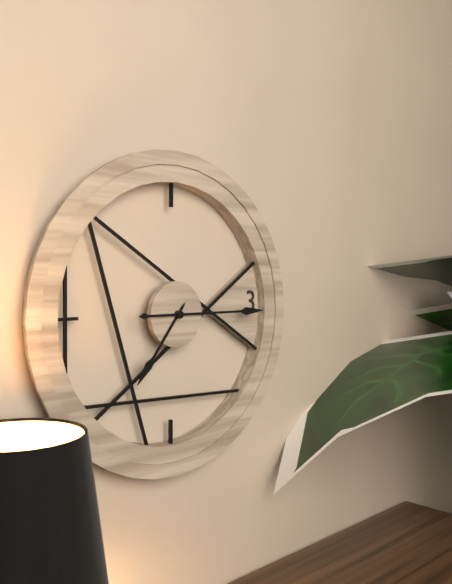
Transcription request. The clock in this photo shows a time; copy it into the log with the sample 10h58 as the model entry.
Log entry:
7h15
